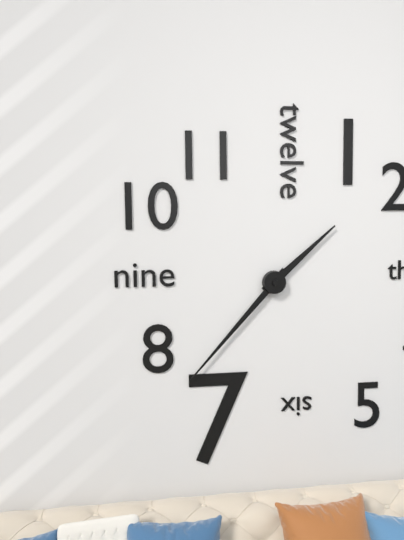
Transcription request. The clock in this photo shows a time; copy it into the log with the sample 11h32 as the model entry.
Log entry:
1h37
